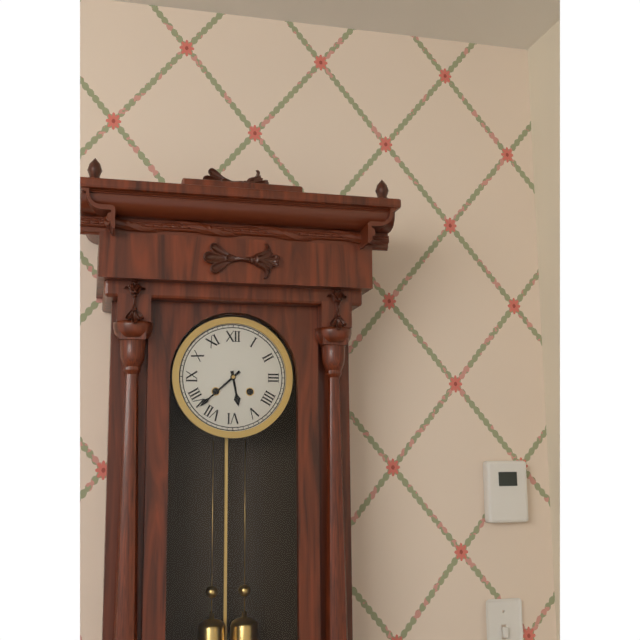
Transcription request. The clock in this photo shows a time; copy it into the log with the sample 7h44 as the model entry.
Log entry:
5h38
